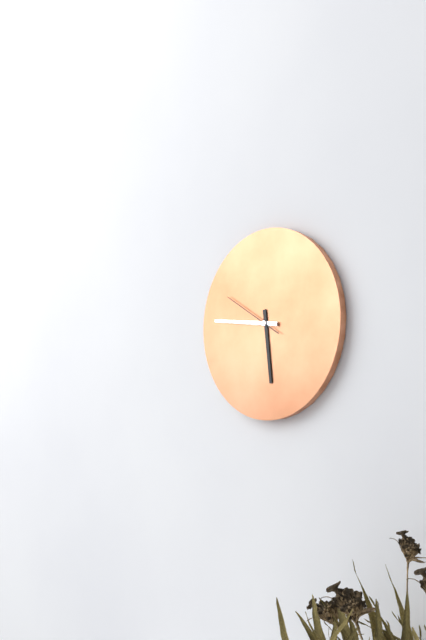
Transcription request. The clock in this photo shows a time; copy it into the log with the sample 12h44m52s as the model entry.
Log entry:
5h46m50s
